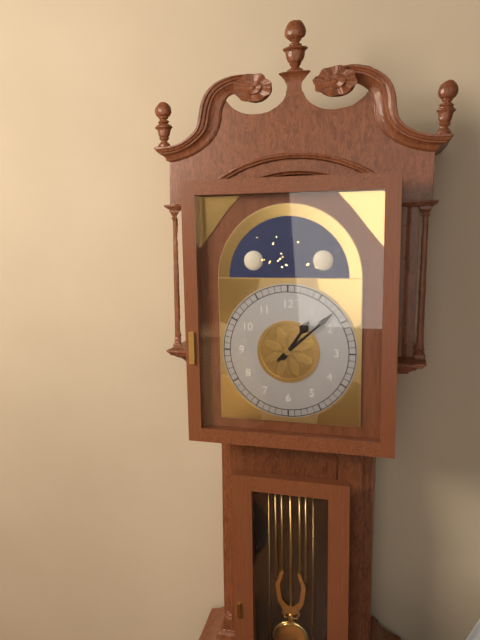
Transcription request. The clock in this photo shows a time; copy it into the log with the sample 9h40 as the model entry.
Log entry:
1h08
